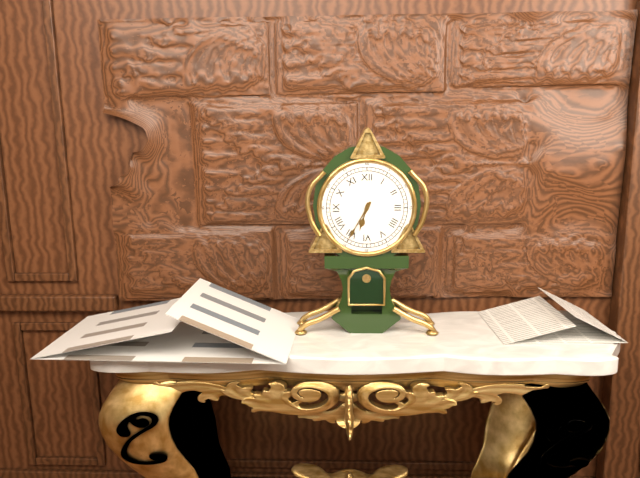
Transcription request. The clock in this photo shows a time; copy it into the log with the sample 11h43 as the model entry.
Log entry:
6h35
